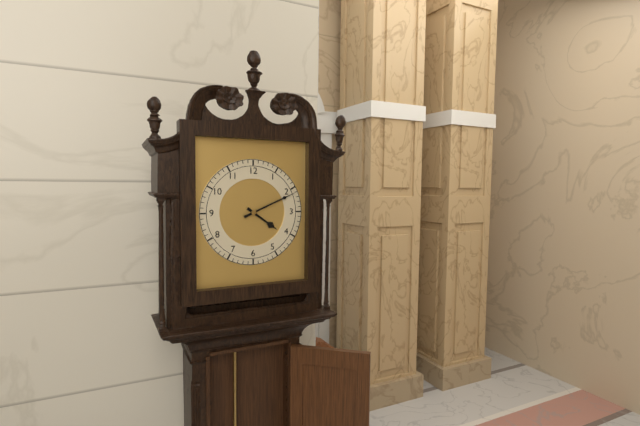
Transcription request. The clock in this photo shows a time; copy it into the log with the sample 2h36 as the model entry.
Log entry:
4h11
